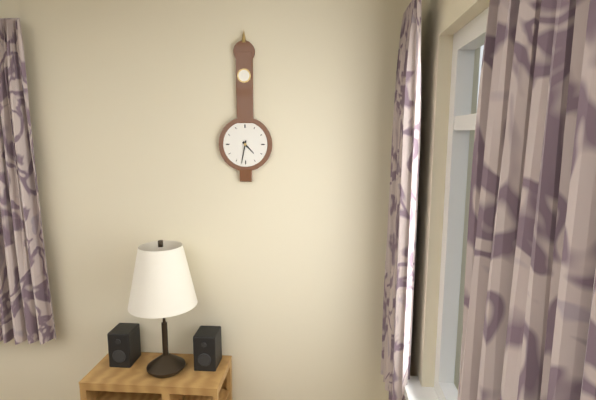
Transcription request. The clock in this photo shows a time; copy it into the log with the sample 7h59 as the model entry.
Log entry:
4h32
